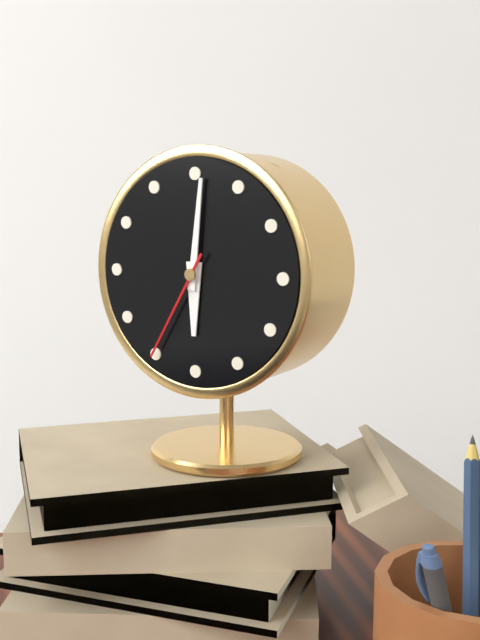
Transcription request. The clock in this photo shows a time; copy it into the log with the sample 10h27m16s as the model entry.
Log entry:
6h01m35s
